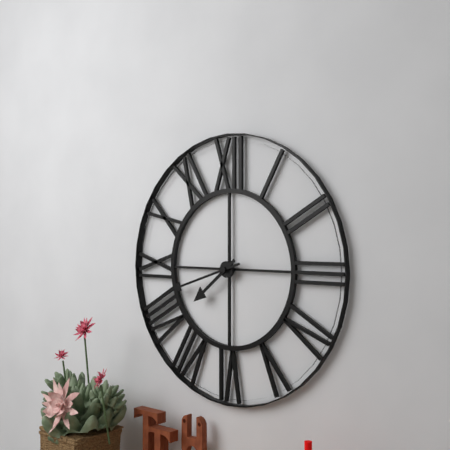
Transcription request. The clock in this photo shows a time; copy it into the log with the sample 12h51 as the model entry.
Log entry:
7h42
